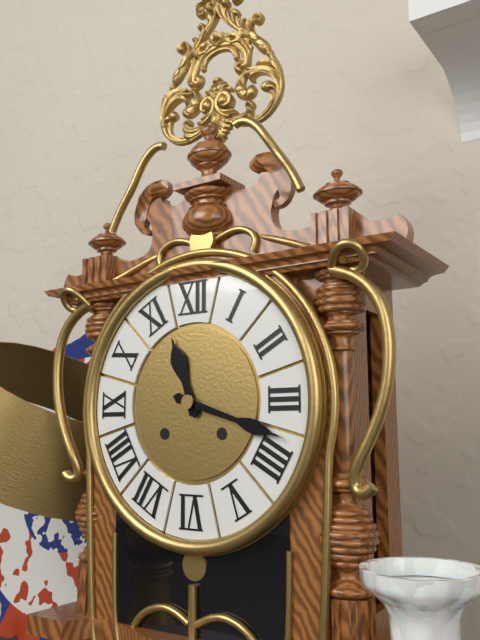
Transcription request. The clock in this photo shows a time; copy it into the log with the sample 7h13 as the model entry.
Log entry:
11h18
